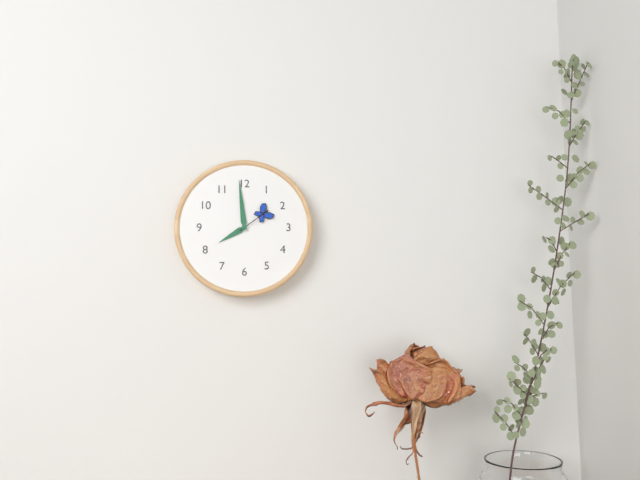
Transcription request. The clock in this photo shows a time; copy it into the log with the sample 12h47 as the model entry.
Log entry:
7h59
